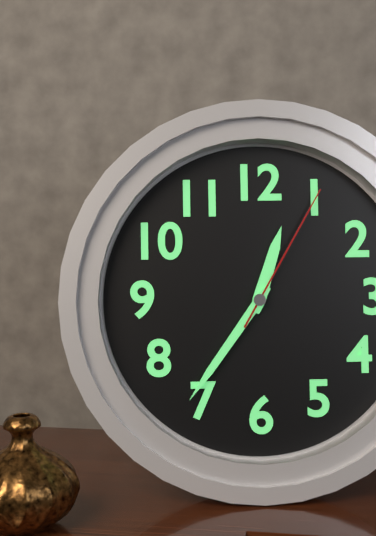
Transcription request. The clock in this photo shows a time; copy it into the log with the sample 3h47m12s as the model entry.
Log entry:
12h36m05s
